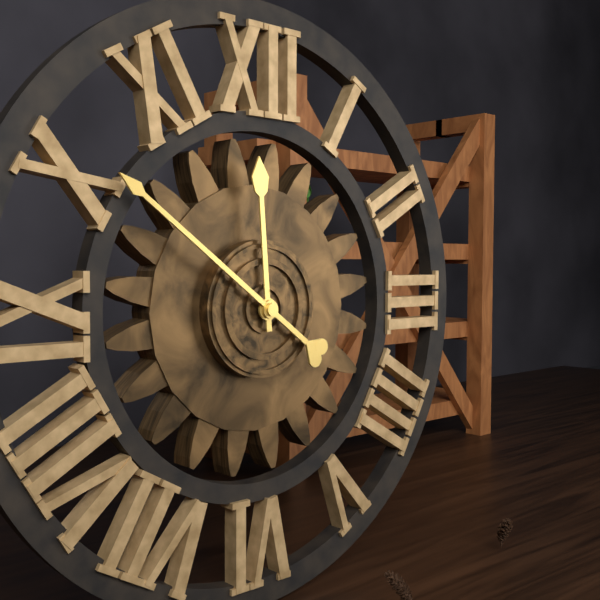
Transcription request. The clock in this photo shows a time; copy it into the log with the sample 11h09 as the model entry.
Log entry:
11h51
